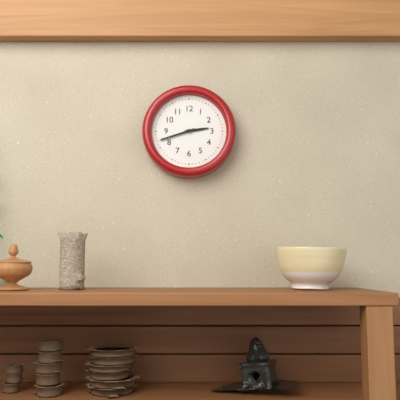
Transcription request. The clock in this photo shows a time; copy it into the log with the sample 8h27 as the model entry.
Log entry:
2h42
